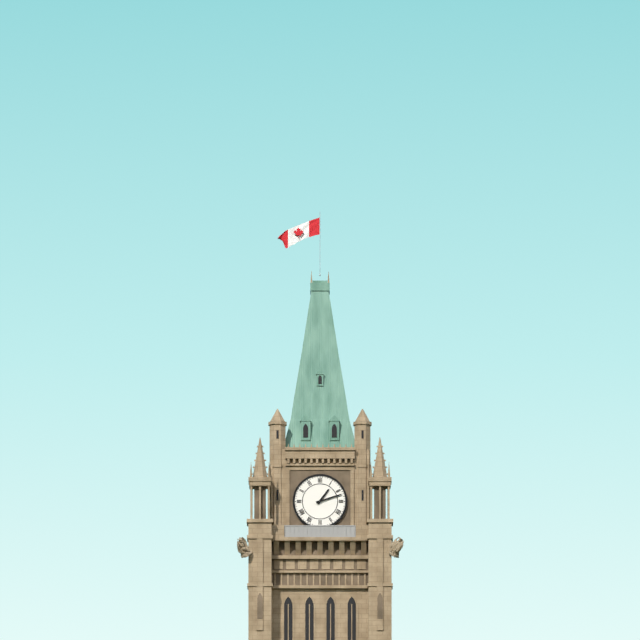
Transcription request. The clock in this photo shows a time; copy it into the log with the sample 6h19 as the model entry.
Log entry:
1h12
